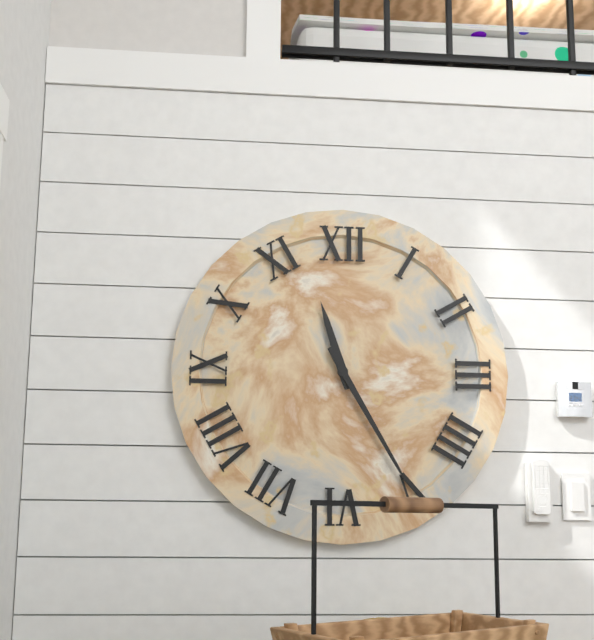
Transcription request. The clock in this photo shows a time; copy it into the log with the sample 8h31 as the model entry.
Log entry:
11h25
